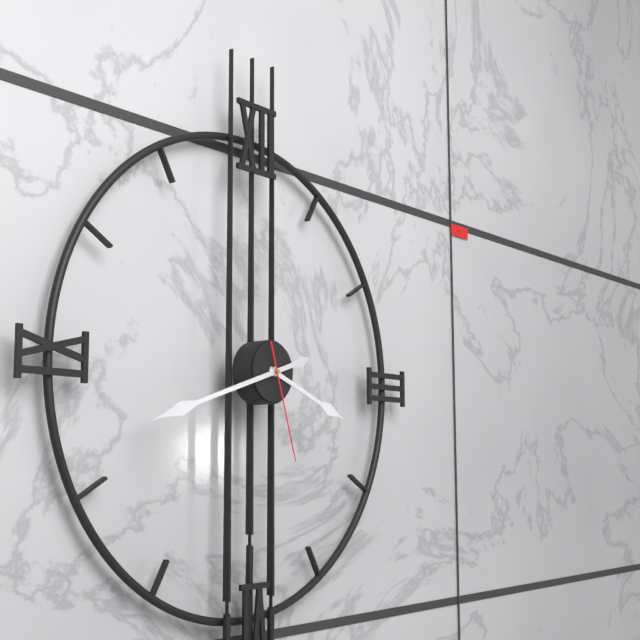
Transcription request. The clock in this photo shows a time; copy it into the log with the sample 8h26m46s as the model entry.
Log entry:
3h42m27s
